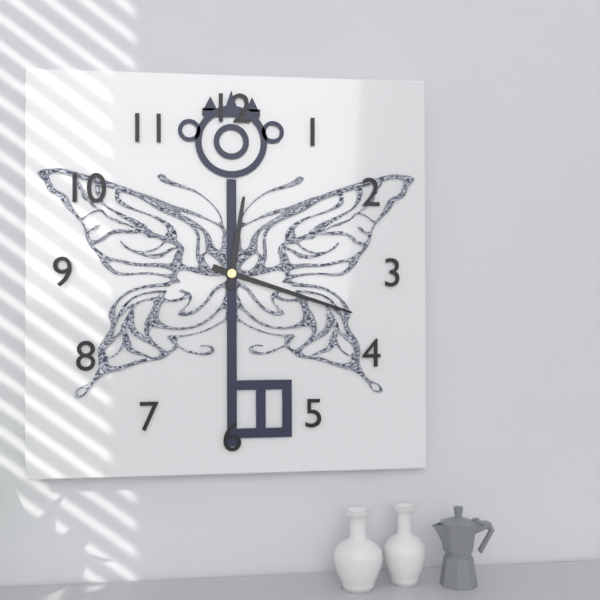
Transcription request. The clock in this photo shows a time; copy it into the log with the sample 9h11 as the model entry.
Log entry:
12h18
